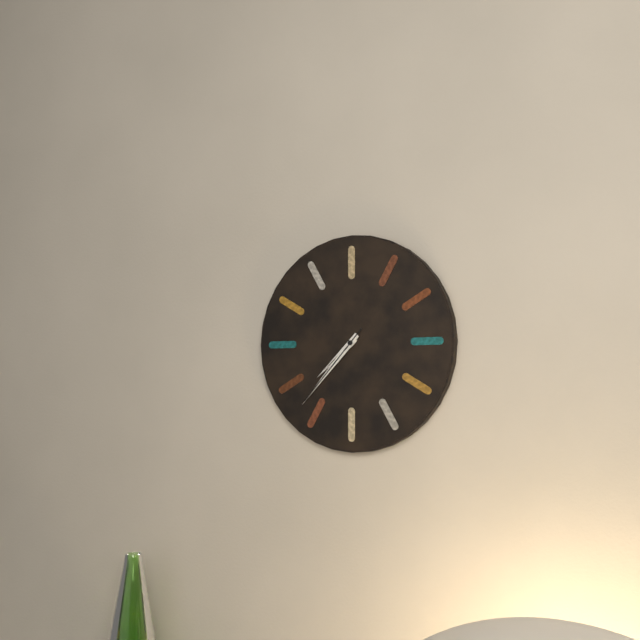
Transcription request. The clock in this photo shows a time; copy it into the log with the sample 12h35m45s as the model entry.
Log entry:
7h37m37s
